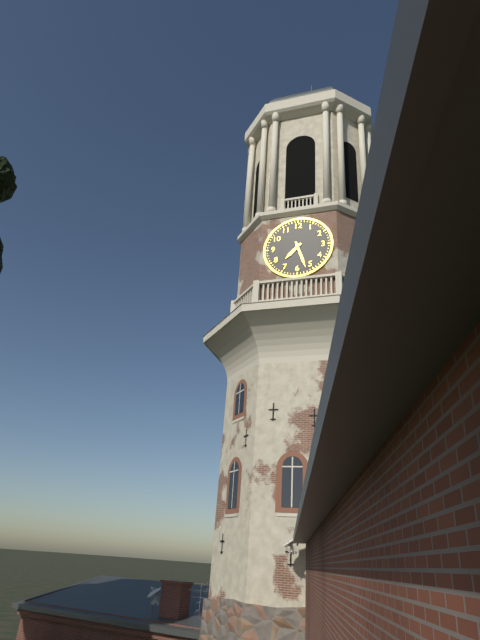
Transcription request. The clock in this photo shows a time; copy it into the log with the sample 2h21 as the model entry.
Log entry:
7h27
